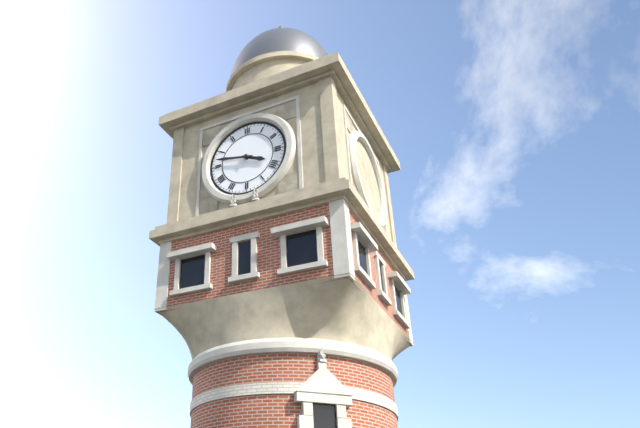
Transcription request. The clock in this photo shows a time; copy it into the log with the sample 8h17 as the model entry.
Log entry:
3h47
